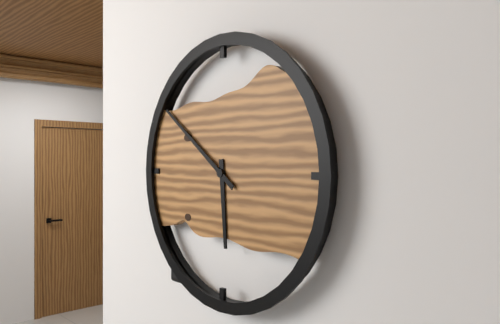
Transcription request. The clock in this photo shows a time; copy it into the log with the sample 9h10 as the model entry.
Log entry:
5h51
